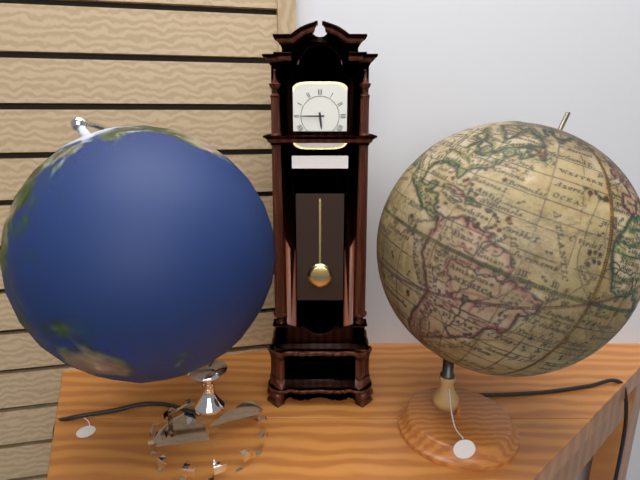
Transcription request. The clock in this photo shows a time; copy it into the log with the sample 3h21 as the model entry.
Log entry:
5h45
